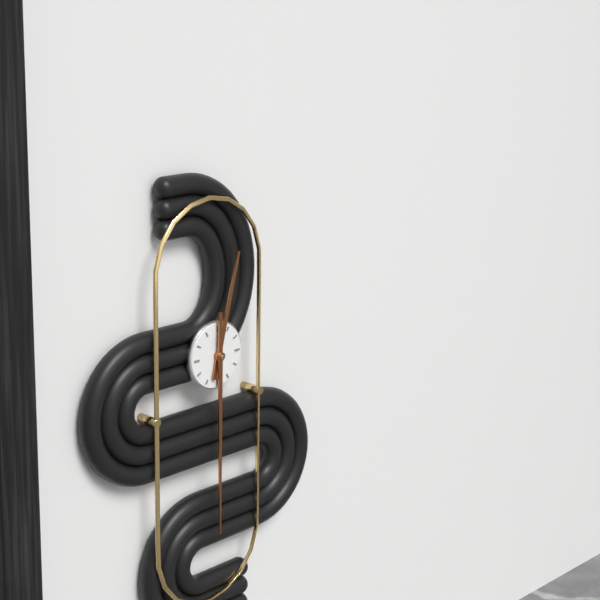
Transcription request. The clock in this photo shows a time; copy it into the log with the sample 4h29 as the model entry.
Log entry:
12h30
